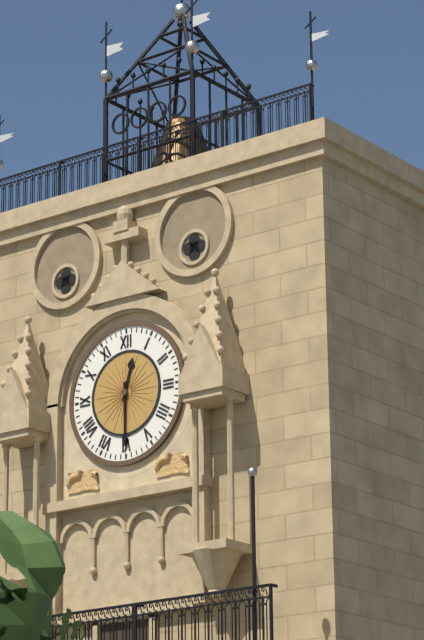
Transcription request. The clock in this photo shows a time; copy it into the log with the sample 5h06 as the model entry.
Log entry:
12h30
